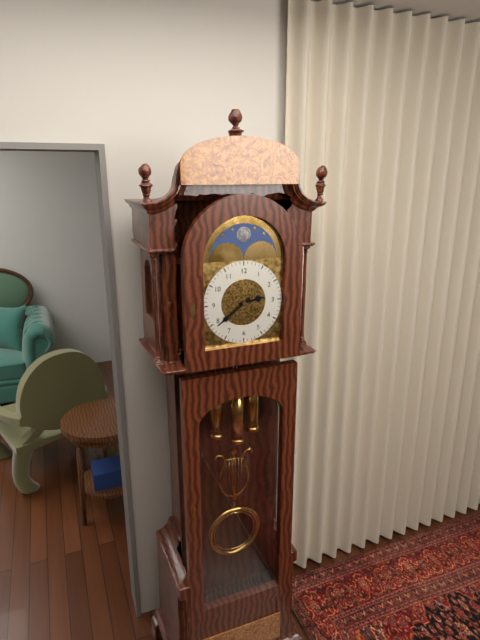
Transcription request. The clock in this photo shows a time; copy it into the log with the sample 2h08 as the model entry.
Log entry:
2h39
